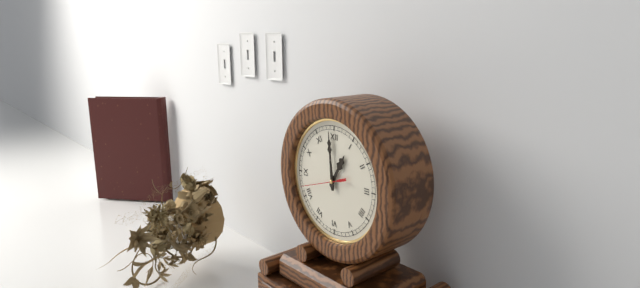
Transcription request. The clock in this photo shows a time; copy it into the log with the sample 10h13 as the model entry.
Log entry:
12h59
